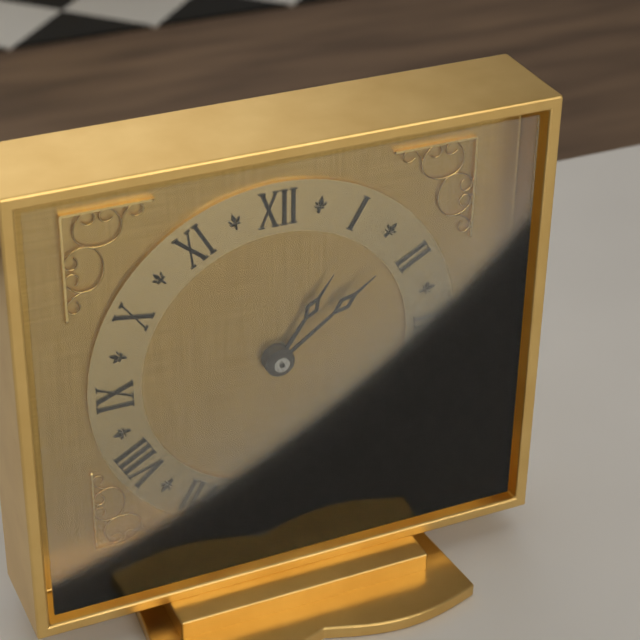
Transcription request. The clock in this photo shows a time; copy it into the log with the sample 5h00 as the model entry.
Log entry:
1h09
